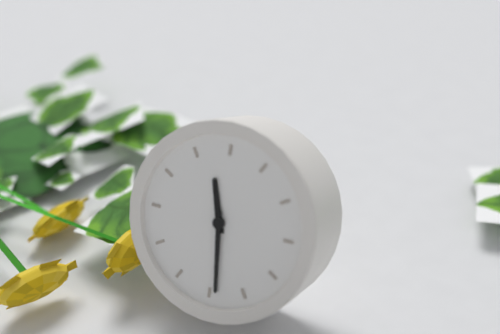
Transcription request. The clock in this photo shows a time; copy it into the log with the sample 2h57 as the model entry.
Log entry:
11h29
